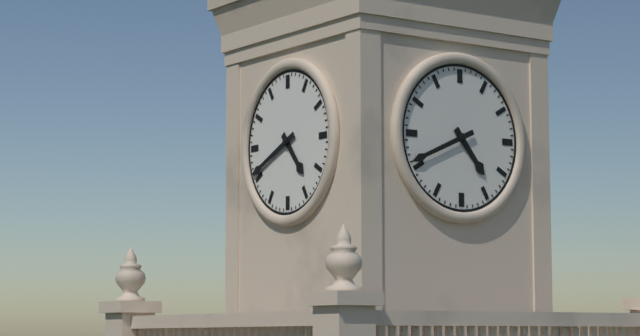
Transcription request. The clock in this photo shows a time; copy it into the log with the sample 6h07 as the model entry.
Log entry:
4h41
